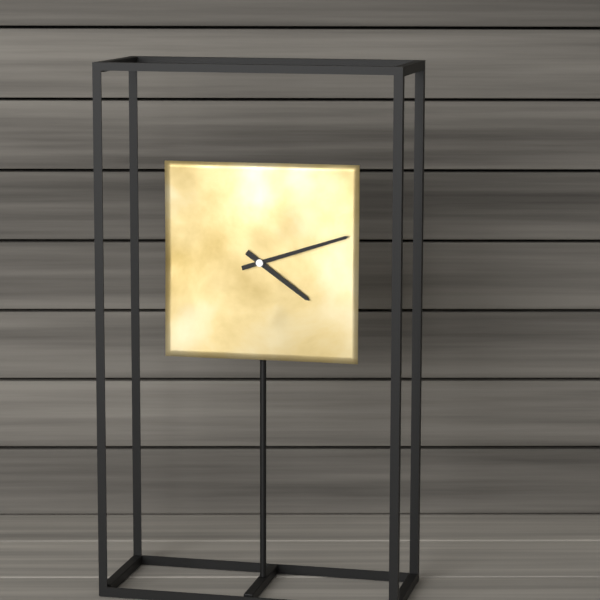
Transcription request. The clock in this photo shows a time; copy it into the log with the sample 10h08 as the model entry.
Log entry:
4h12
